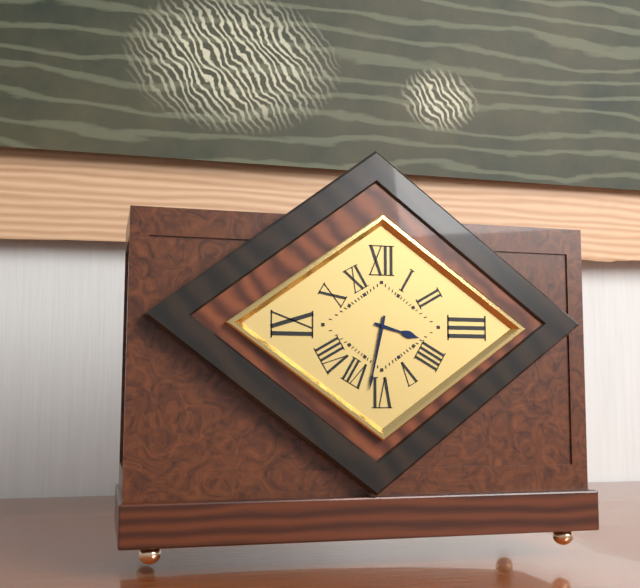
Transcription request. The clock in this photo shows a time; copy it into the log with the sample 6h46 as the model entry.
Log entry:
3h32
